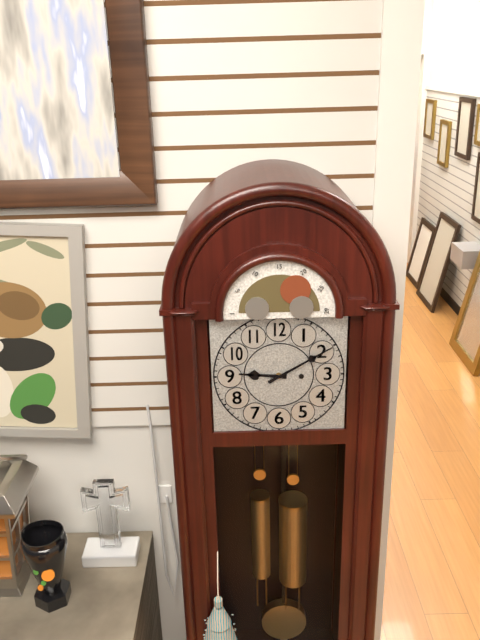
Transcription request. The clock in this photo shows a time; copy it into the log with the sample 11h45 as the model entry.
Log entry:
9h10
